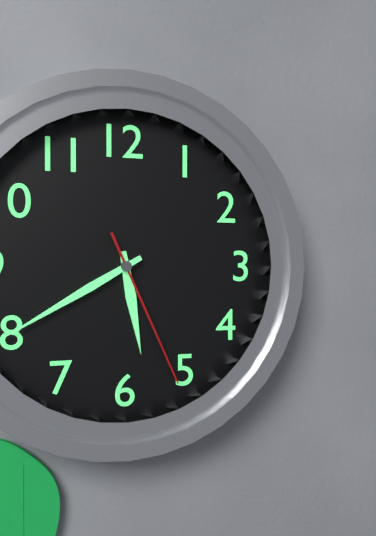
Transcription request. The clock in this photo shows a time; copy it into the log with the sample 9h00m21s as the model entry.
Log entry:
5h40m26s
